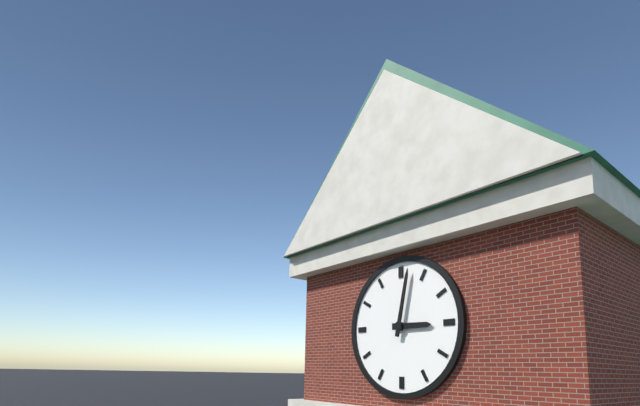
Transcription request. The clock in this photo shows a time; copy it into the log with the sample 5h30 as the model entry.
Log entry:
3h02
